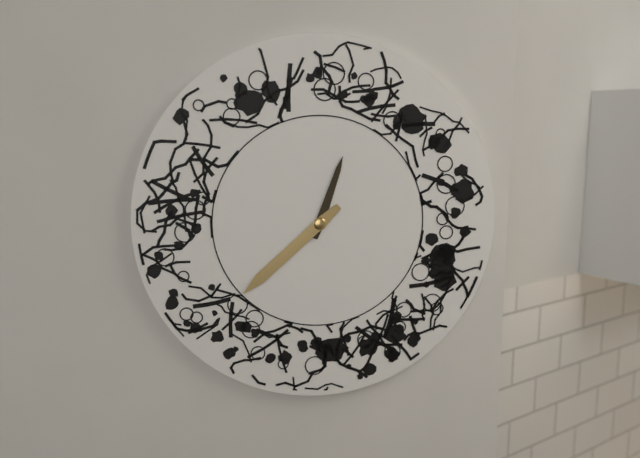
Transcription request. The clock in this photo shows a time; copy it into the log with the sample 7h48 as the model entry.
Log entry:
12h38
